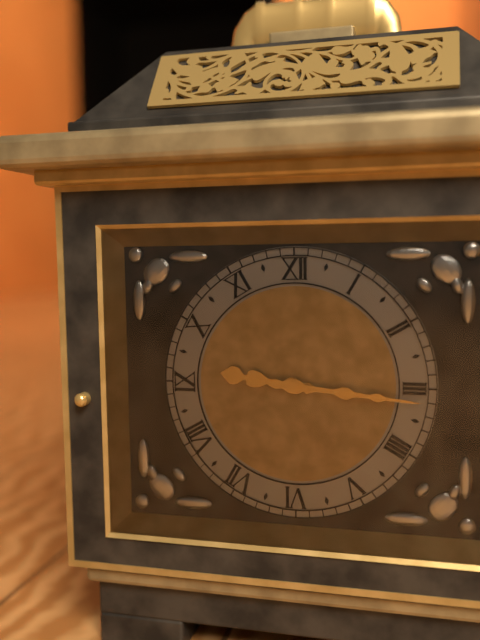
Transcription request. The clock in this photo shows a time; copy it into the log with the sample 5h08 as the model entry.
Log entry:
9h16
